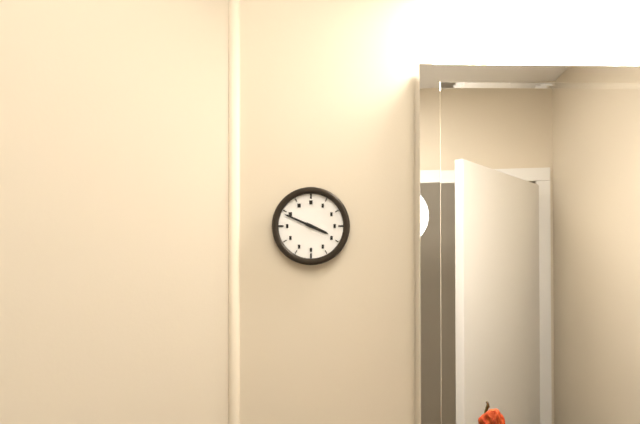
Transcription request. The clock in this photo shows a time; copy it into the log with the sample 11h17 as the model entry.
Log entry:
3h49
